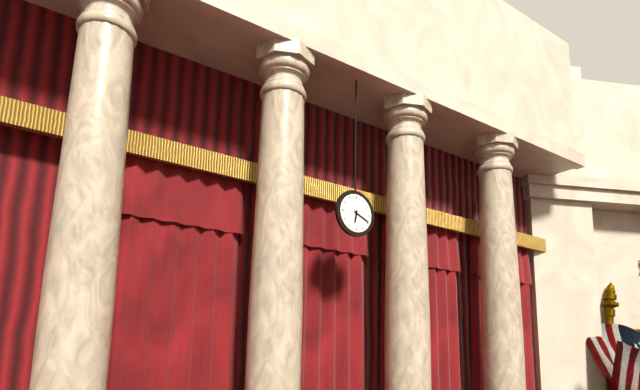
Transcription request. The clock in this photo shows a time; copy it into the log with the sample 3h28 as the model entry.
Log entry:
6h19
